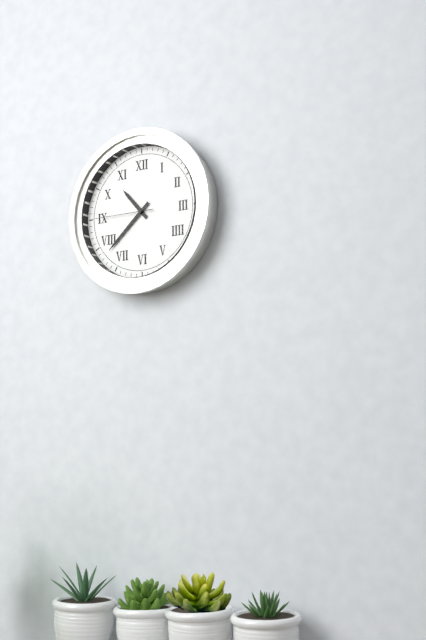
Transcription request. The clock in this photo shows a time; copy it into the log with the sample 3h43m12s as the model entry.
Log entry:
10h38m45s
